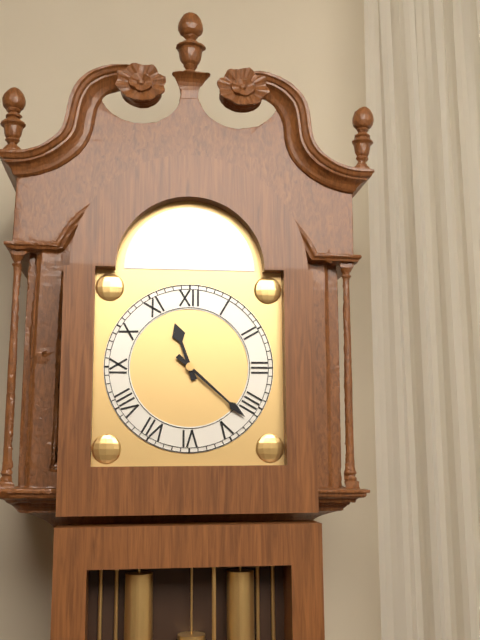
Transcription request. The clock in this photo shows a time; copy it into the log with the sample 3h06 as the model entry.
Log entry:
11h22
